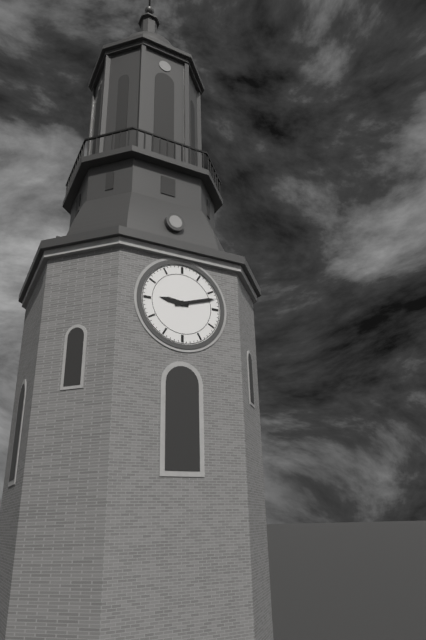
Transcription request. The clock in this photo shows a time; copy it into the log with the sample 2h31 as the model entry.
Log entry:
9h12
